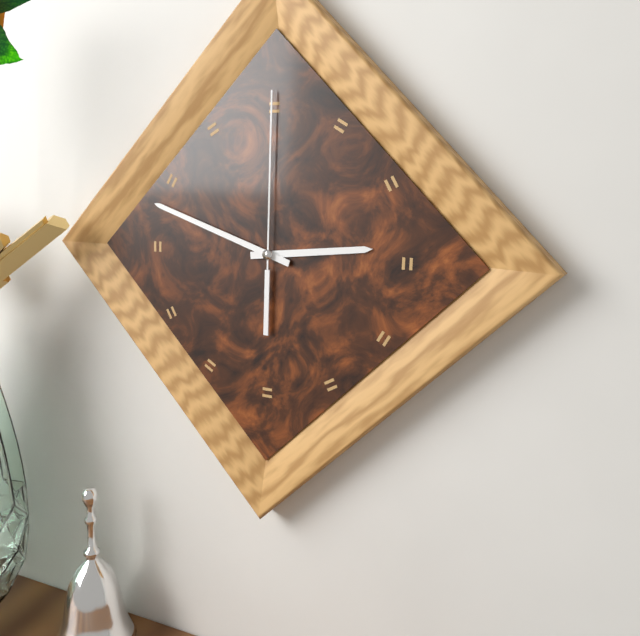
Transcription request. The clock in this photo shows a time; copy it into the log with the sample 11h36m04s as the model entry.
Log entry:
2h48m00s
